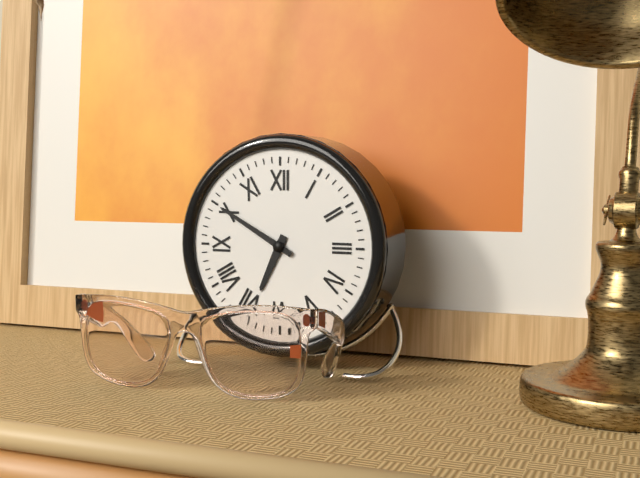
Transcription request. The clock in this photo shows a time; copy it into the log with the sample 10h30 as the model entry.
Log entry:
6h50
